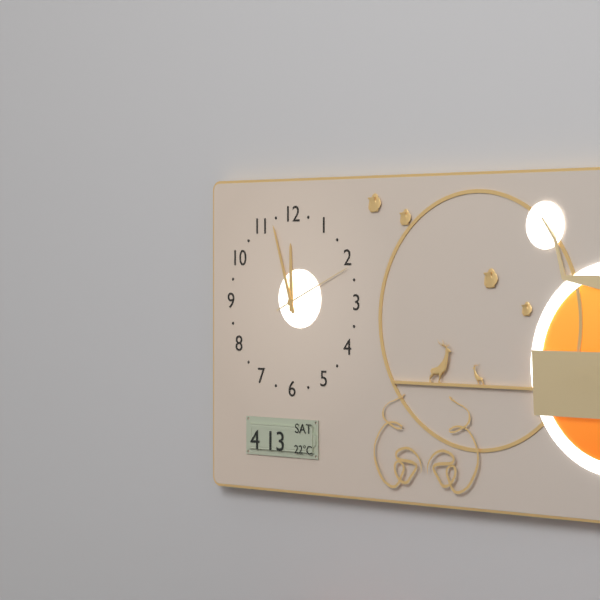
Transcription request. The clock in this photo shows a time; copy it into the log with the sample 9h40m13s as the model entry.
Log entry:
11h57m11s
